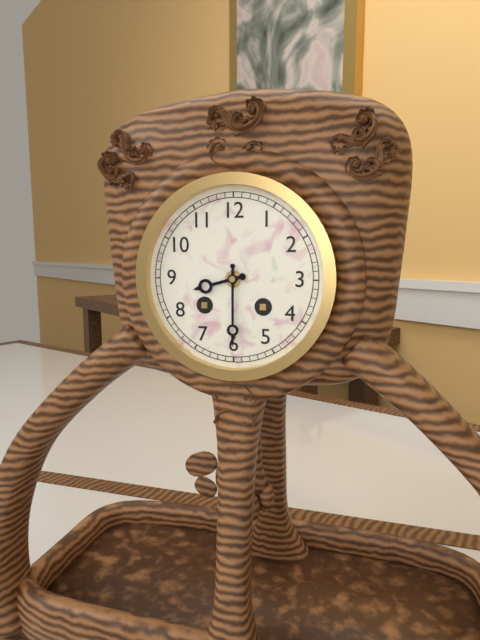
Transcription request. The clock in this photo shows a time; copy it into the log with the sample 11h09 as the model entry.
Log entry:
8h30
